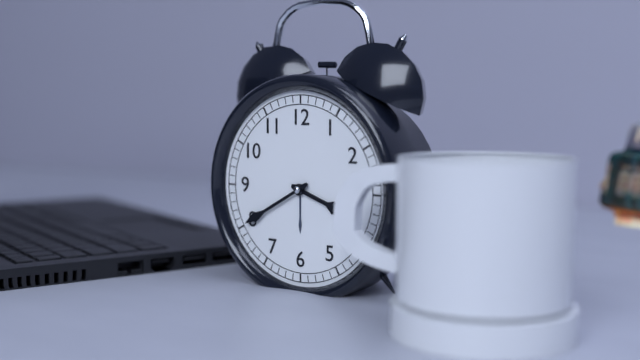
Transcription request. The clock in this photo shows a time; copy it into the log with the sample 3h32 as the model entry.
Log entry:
3h40
